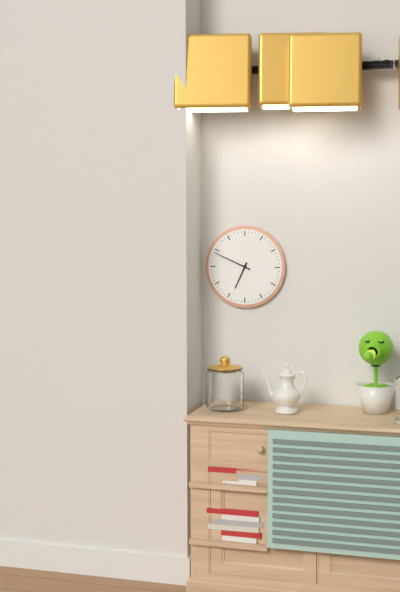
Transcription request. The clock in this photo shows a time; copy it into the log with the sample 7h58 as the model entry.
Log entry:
6h49
